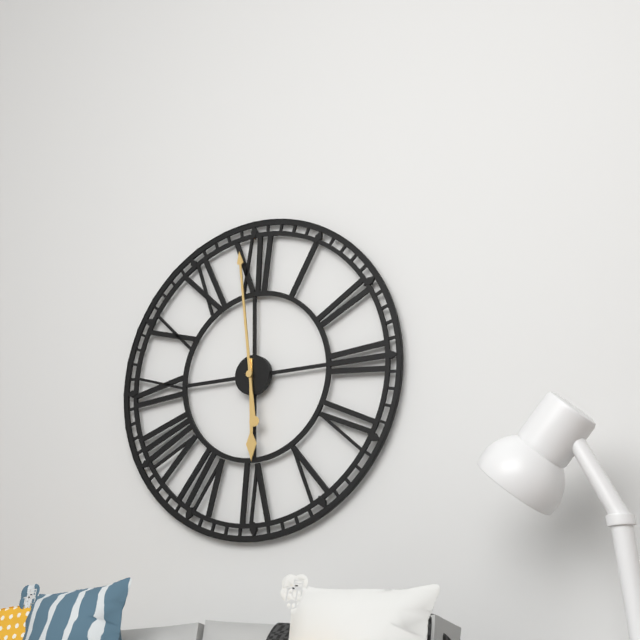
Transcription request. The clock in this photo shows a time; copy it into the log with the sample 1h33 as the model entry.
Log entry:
5h59
